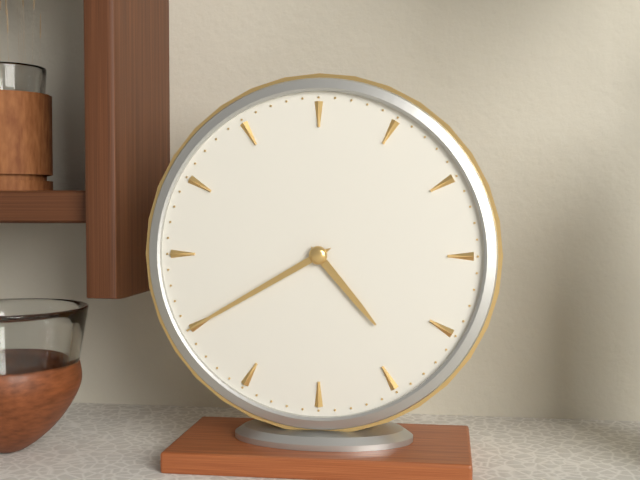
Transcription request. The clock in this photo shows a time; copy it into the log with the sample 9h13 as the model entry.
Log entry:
4h40
